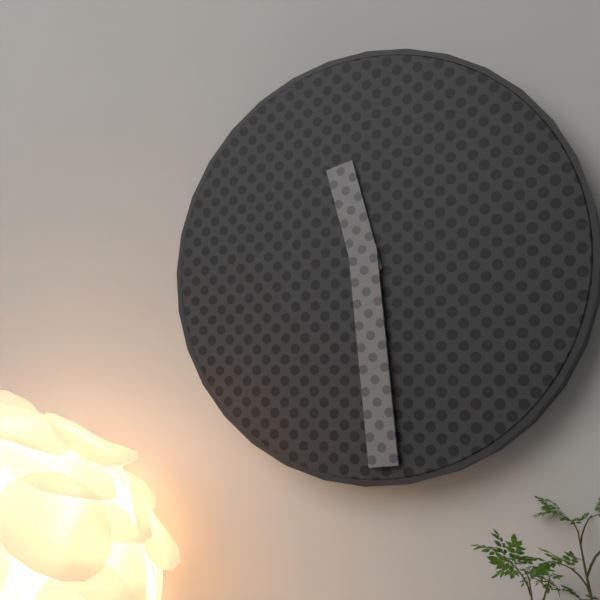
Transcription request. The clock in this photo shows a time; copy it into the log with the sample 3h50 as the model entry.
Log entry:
11h29
